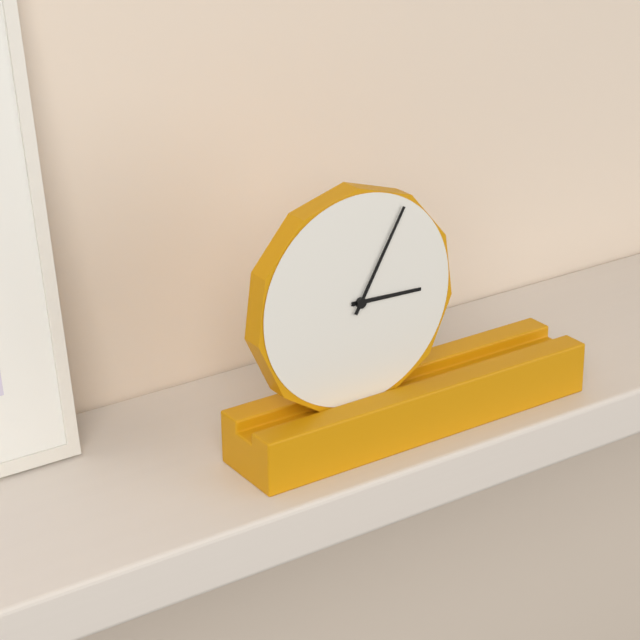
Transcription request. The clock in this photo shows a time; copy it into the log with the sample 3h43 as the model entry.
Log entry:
3h05
